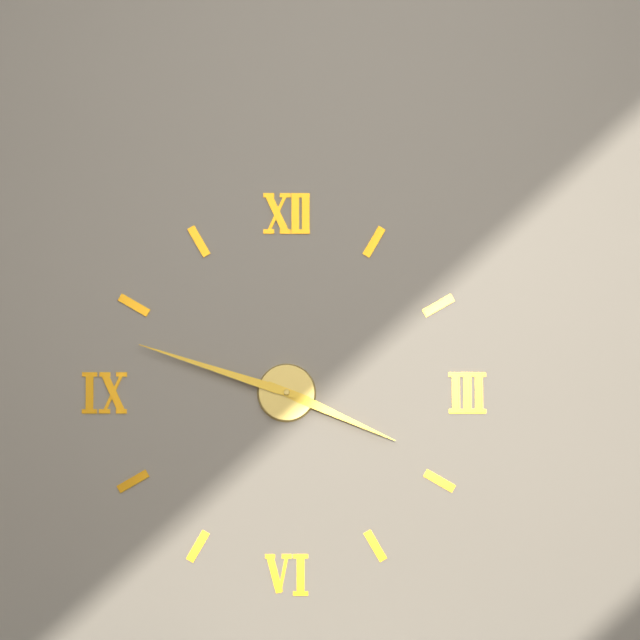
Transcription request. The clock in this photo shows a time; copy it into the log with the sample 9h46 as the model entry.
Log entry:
3h48
